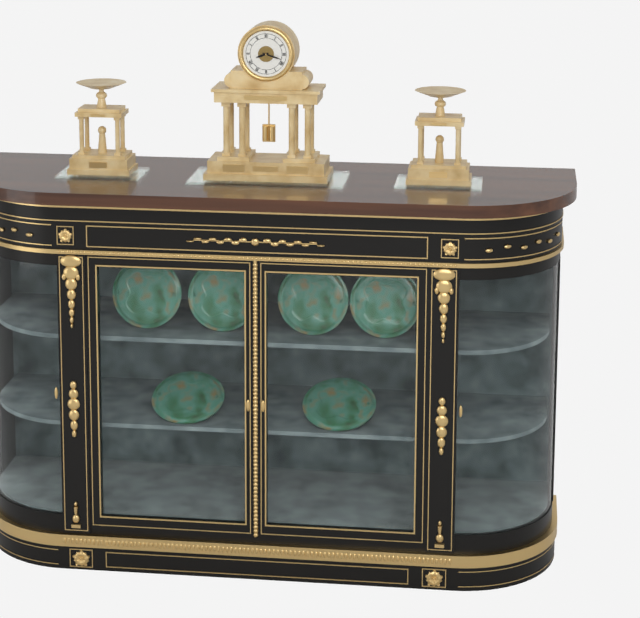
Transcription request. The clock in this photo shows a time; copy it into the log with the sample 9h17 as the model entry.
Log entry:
8h18
